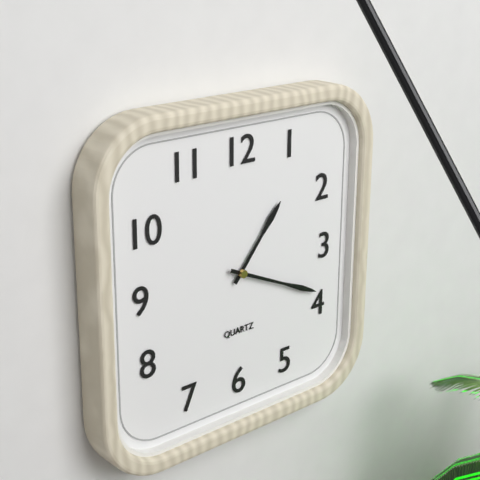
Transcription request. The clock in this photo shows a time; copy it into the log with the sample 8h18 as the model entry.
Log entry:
1h19
